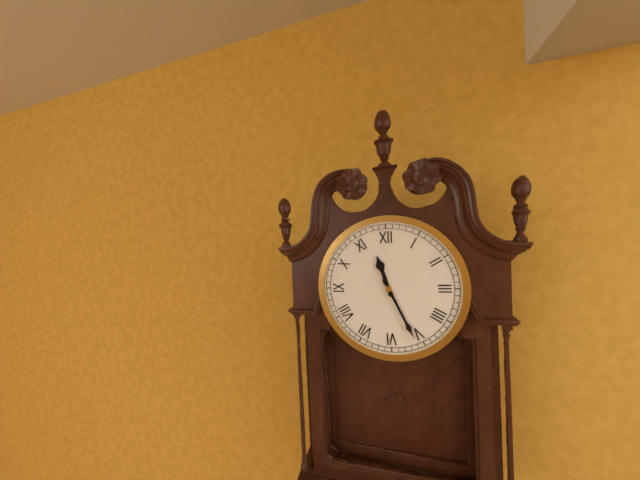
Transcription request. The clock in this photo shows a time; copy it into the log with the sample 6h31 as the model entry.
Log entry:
11h26
